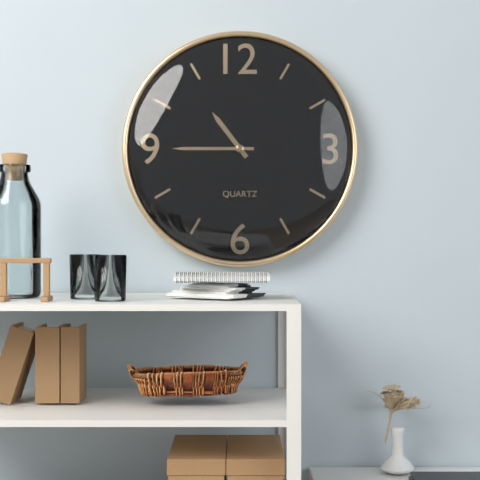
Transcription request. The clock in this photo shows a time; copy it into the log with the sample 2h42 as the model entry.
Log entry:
10h45
